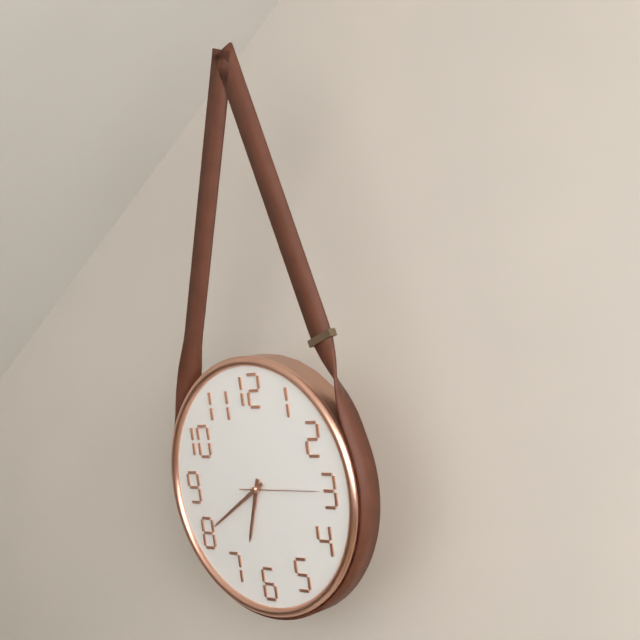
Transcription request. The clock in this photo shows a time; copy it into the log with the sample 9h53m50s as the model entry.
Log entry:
6h40m15s
